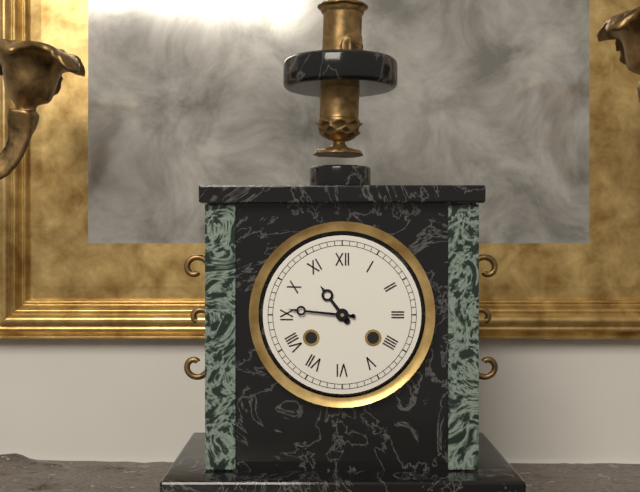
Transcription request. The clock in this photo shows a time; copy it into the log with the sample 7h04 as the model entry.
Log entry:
10h46
